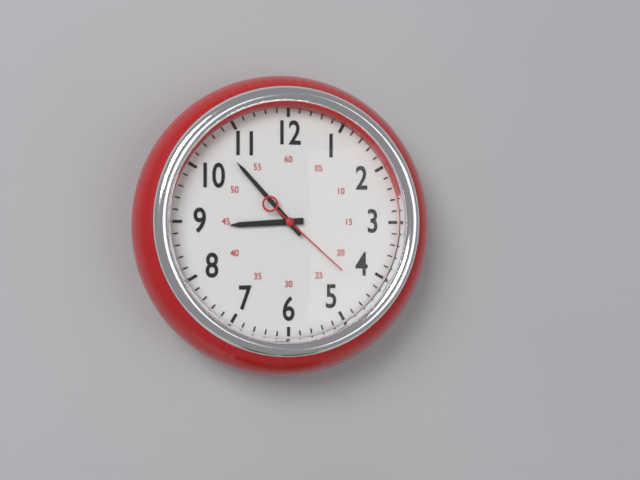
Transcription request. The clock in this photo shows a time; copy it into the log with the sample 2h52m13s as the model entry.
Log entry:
8h53m22s
